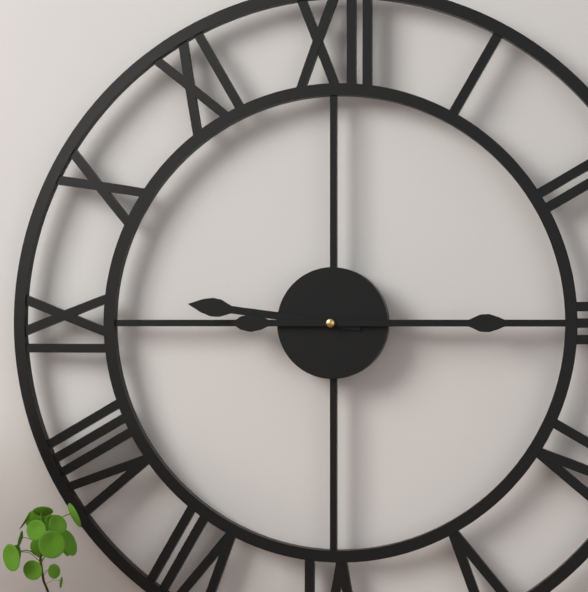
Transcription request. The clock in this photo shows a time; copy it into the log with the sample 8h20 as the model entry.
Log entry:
9h15
